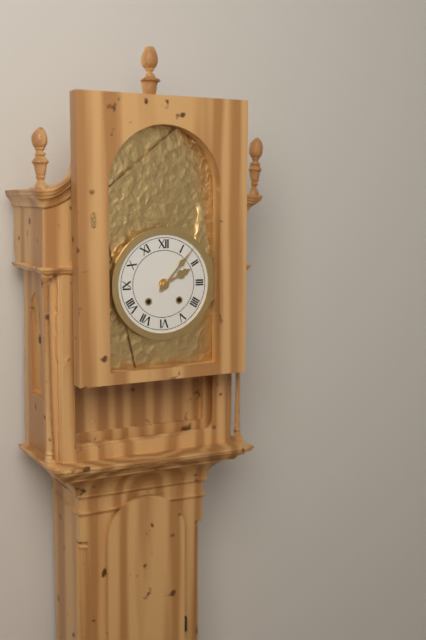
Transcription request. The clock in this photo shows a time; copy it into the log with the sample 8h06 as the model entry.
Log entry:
2h07
